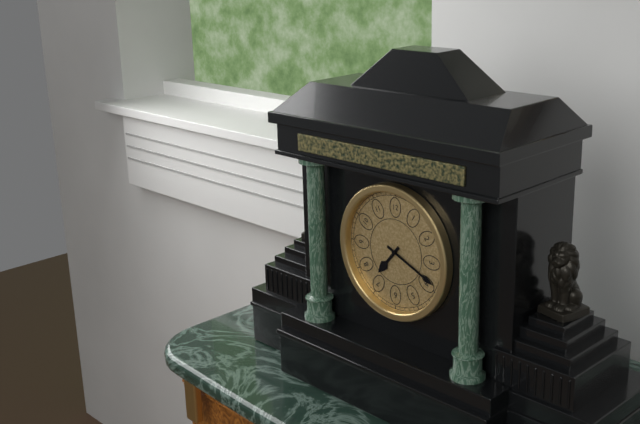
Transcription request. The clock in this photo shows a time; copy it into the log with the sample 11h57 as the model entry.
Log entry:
7h19
